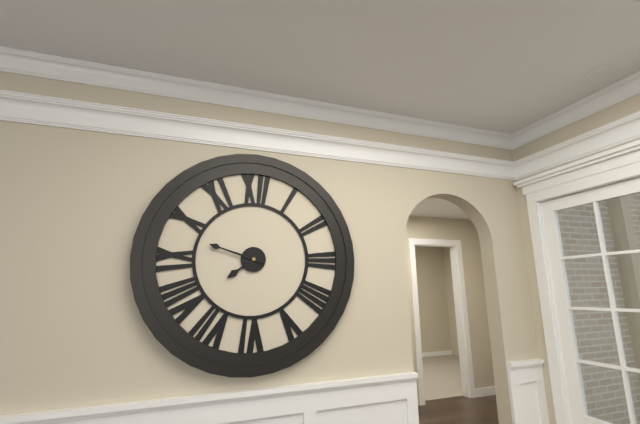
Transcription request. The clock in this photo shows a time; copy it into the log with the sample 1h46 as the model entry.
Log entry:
7h48
